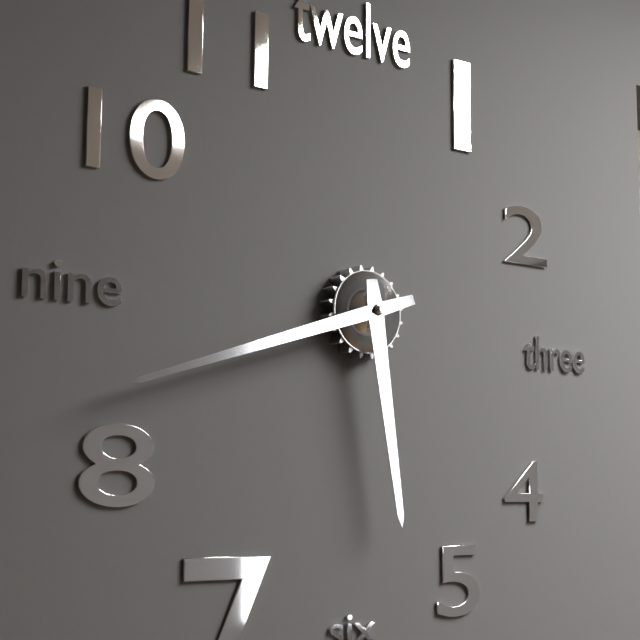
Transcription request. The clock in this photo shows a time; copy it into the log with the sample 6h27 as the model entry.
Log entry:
5h42
